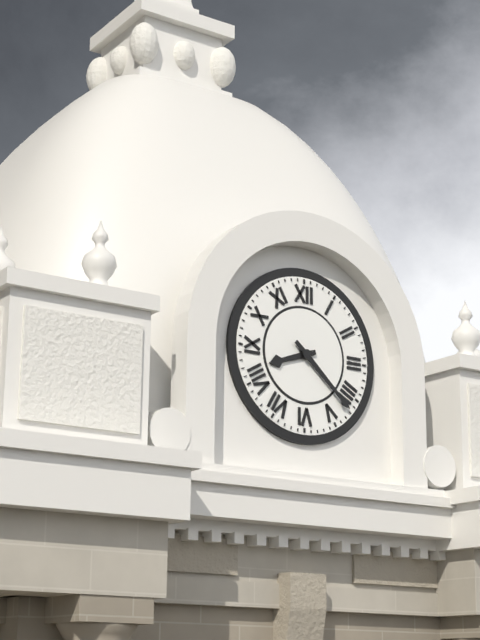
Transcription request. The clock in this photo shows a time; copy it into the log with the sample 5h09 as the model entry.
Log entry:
8h22
